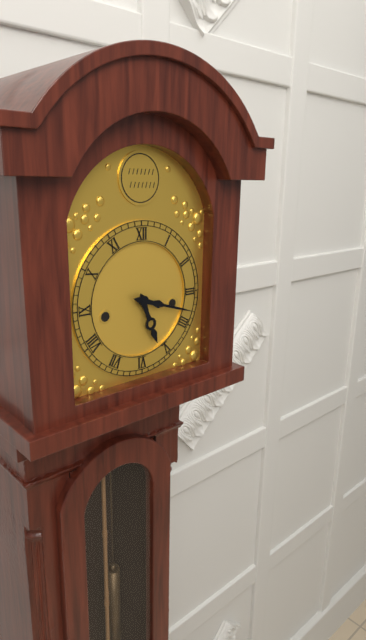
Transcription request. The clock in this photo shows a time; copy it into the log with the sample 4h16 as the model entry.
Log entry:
5h18
